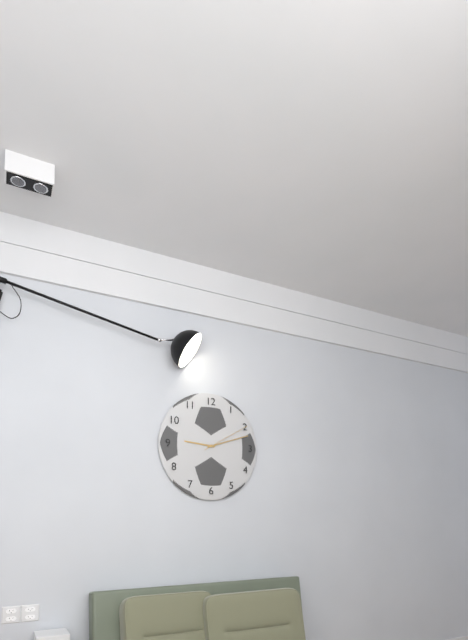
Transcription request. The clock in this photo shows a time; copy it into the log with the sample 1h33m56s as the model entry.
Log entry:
9h12m10s
